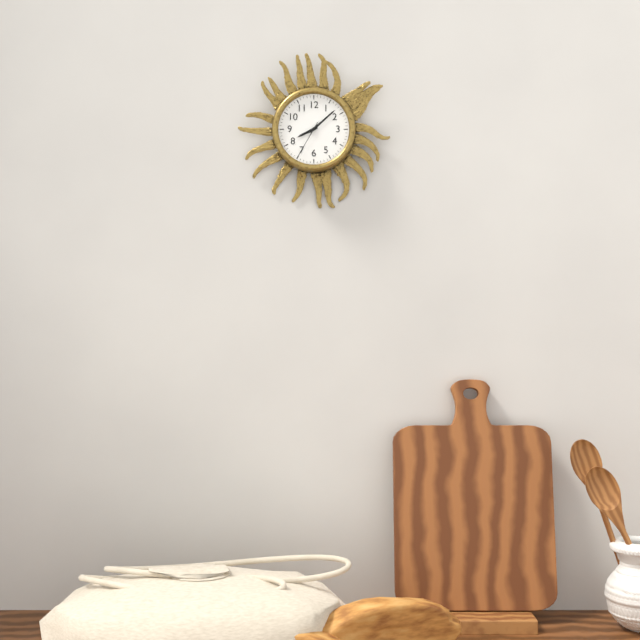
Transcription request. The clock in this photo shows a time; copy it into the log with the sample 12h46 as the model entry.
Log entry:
8h08
